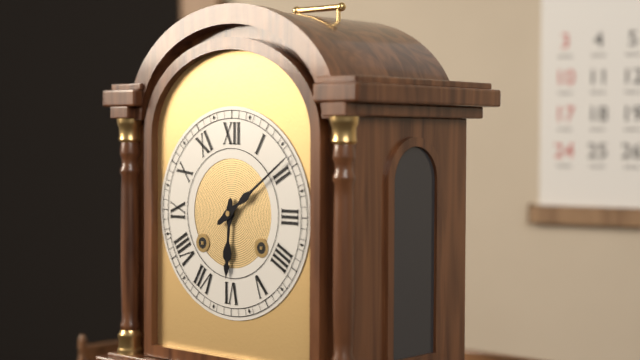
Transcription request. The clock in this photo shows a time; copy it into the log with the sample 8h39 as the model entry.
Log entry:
6h09
